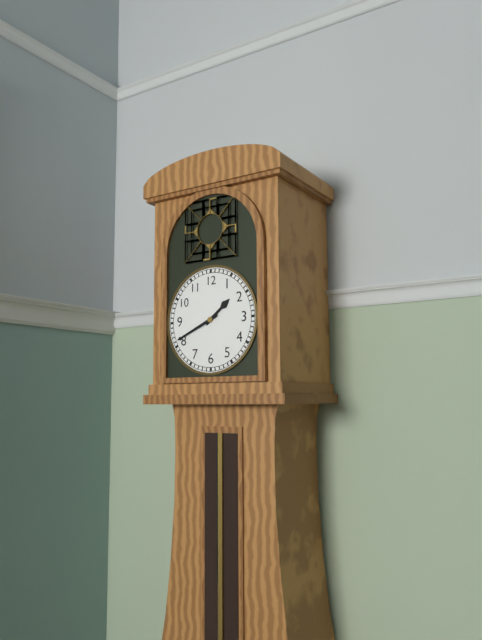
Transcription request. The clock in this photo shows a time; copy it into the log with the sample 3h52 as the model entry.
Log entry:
1h41
